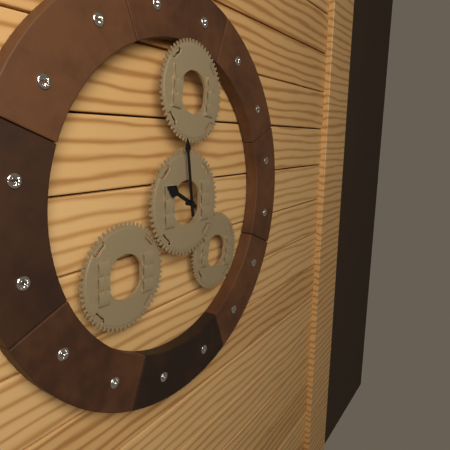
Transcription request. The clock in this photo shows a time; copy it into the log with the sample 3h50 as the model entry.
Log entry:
9h59
